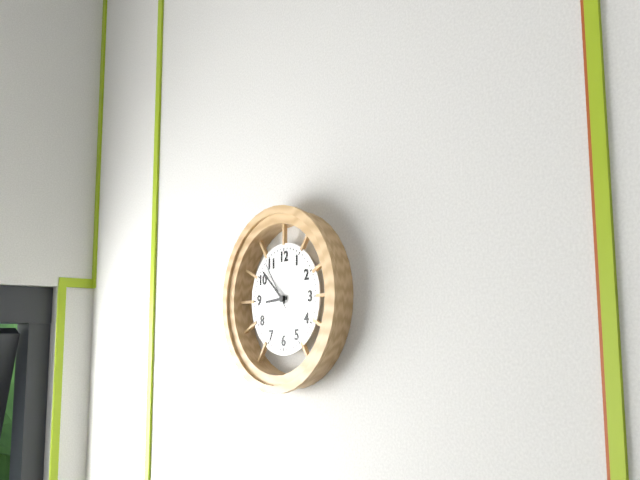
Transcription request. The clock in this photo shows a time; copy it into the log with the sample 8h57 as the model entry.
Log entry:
8h52
